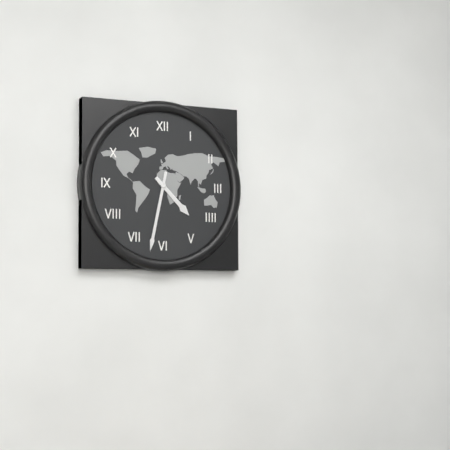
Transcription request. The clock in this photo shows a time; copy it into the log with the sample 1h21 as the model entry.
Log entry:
4h32
